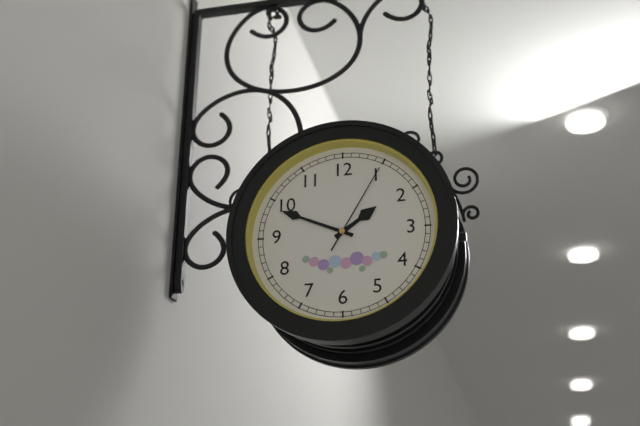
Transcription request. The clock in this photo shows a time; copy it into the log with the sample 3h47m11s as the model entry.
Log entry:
1h49m05s
